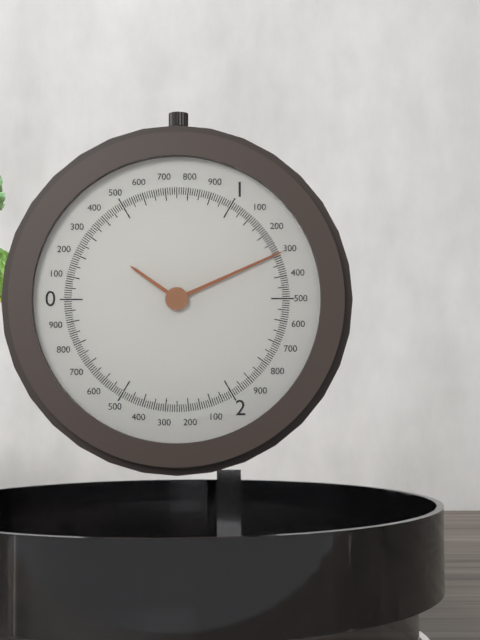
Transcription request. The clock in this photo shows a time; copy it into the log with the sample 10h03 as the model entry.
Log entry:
10h11
